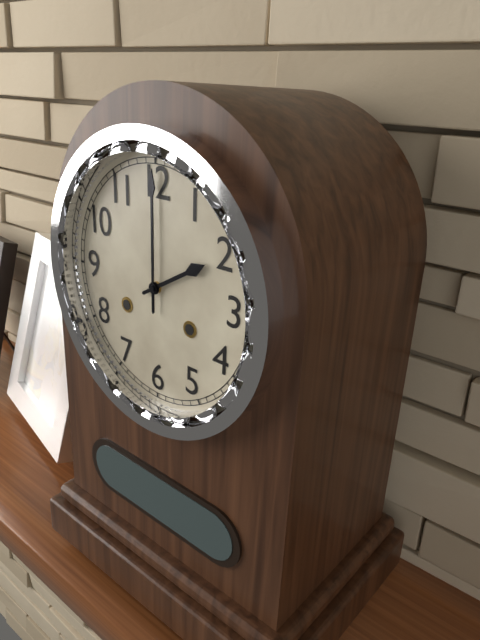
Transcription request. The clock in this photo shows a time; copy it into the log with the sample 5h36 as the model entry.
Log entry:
2h00
